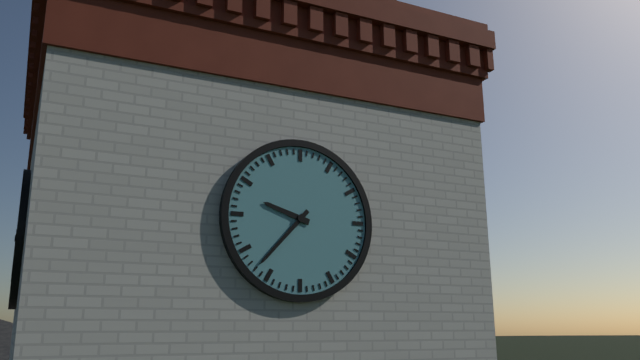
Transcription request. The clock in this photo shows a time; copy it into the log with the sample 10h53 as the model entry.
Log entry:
9h37
